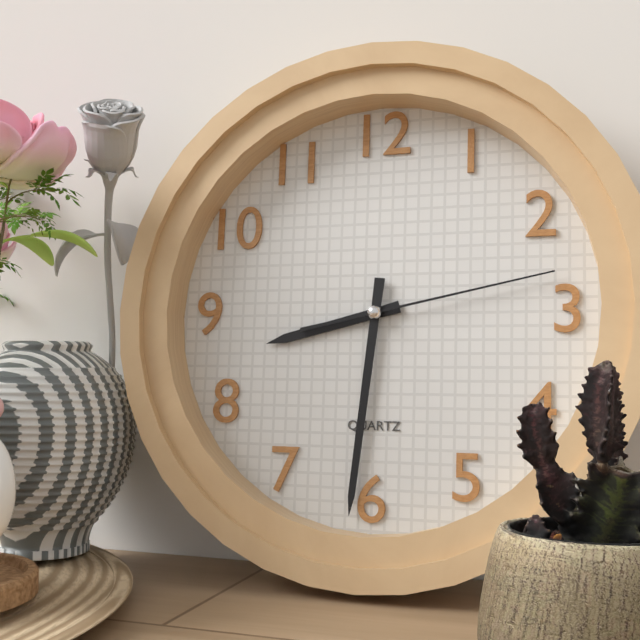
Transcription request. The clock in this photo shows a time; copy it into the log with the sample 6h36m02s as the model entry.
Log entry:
8h31m13s
